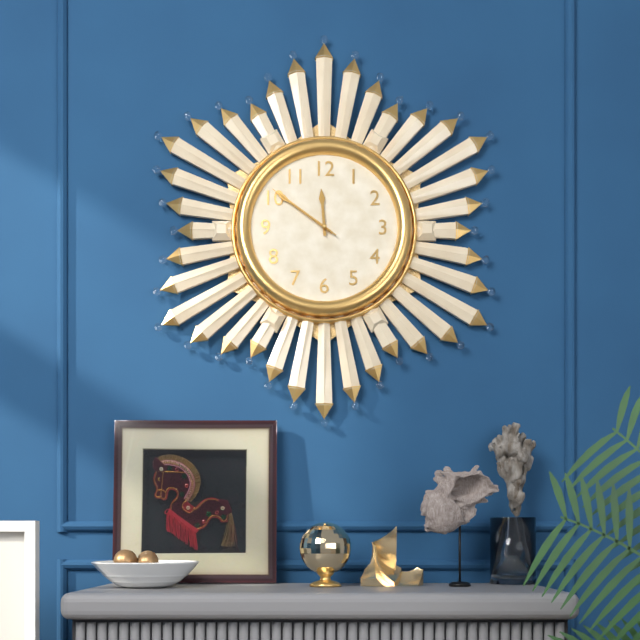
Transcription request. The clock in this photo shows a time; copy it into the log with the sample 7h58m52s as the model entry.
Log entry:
11h51m51s
